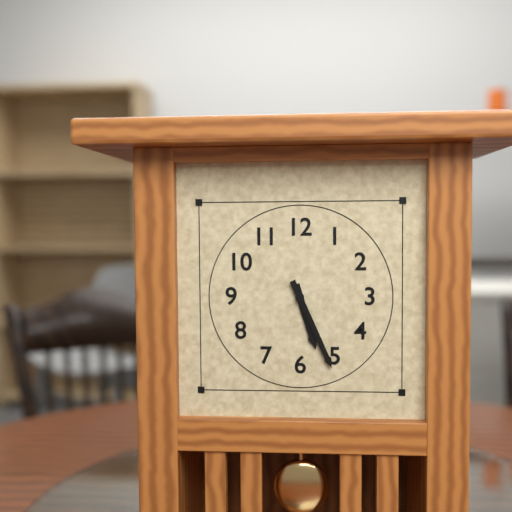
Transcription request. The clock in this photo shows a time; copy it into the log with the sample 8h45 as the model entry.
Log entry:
5h26
